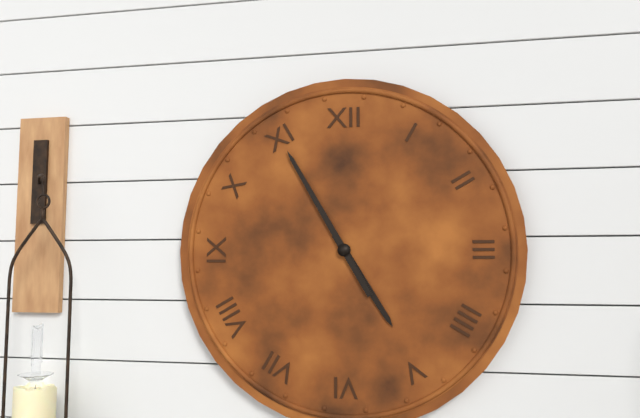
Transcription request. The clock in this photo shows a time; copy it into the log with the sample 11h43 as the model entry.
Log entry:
4h55
